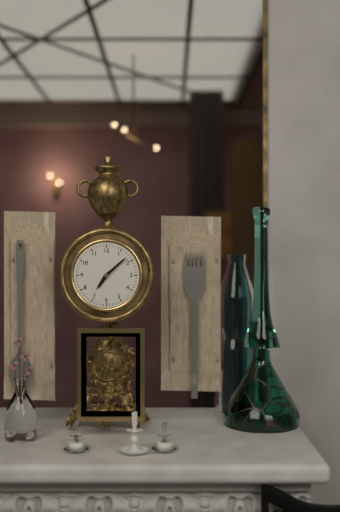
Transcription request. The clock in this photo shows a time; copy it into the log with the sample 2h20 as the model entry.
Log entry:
7h08
